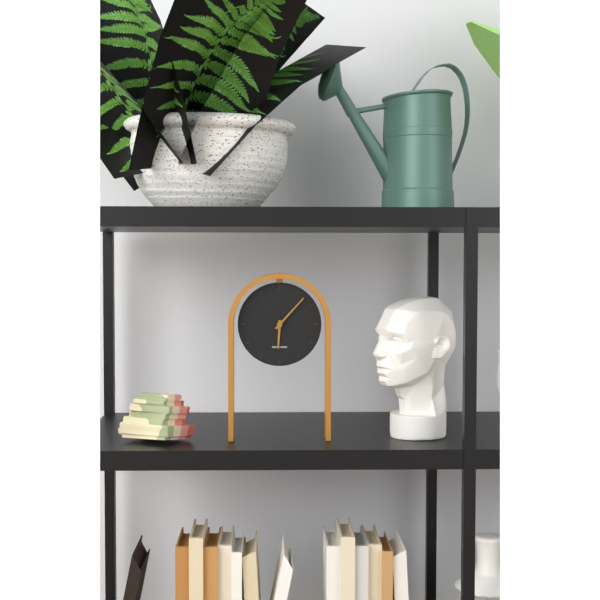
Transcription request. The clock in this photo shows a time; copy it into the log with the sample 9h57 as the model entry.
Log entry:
6h07
